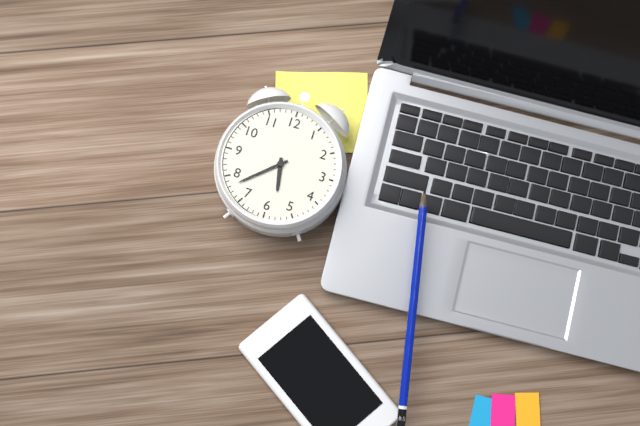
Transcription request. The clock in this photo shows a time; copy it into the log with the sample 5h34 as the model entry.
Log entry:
5h38
